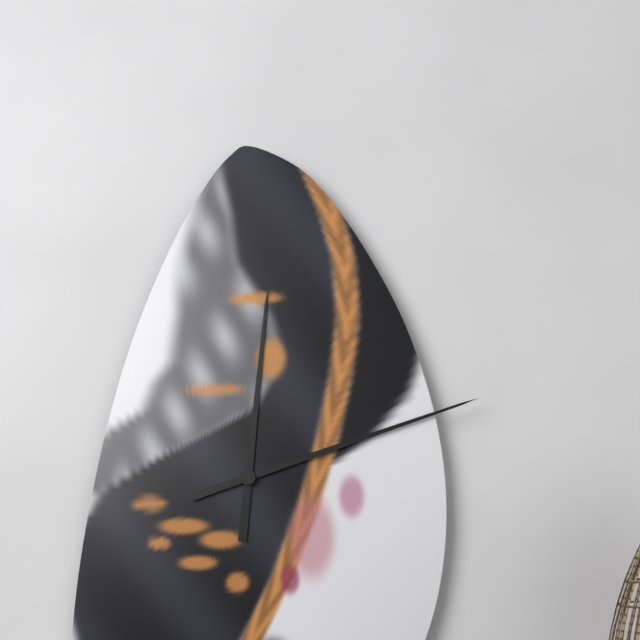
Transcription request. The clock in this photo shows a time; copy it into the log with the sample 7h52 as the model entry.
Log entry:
12h12
